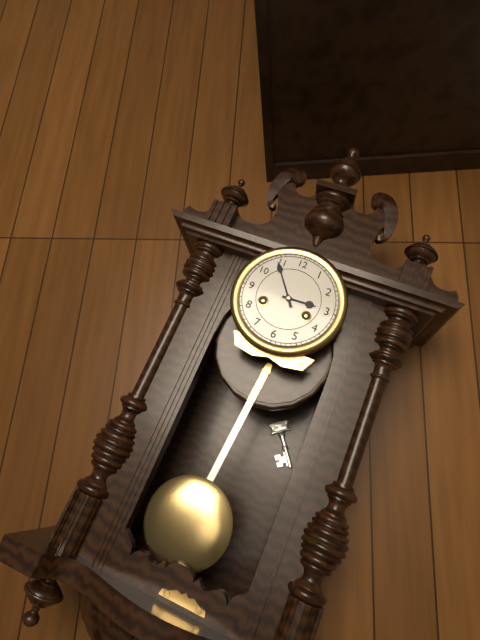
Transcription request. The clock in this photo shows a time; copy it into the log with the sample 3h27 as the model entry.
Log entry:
2h54
